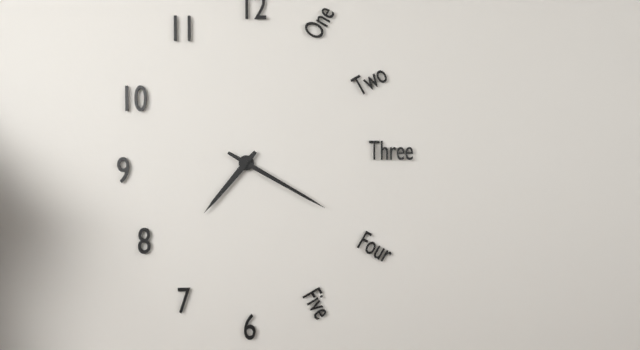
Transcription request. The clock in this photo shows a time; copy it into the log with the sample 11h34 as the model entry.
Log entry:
7h20
